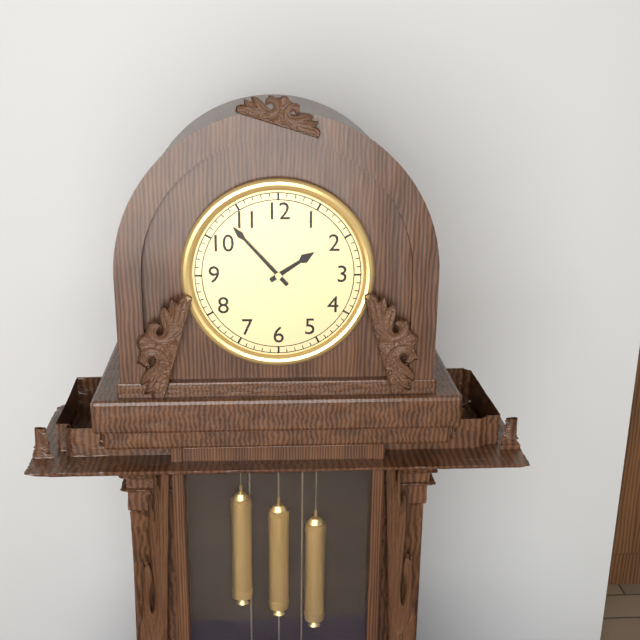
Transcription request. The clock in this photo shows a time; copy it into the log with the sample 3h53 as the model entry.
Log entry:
1h53
